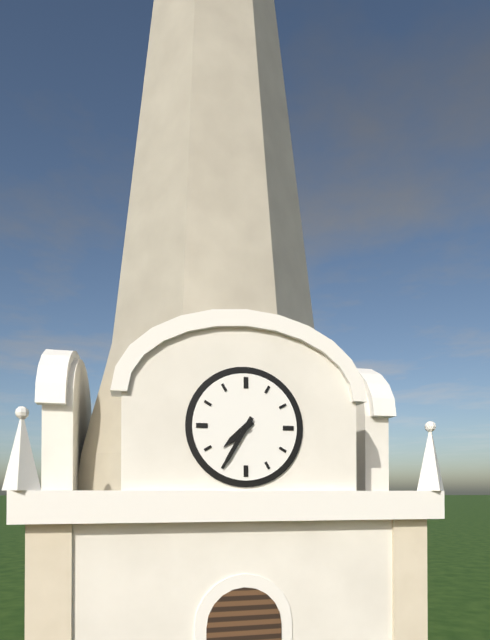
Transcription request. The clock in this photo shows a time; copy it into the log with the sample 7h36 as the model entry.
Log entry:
7h35
